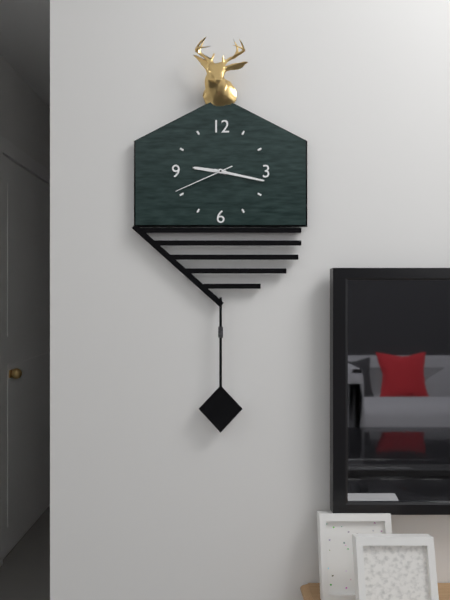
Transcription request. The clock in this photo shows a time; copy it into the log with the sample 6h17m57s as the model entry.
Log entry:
9h17m41s
